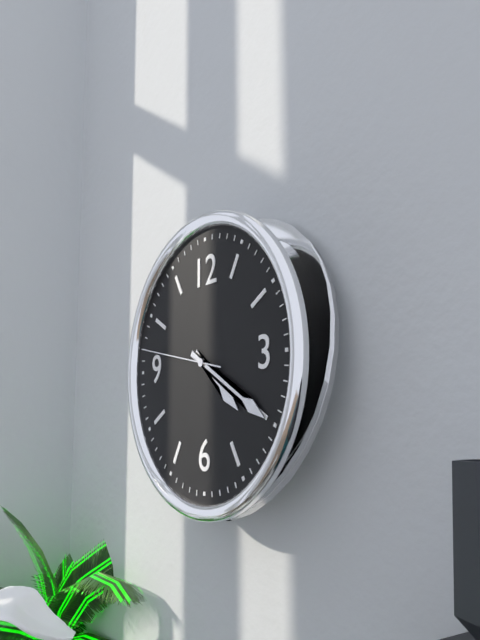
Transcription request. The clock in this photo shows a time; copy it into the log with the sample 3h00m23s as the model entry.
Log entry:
4h20m47s
